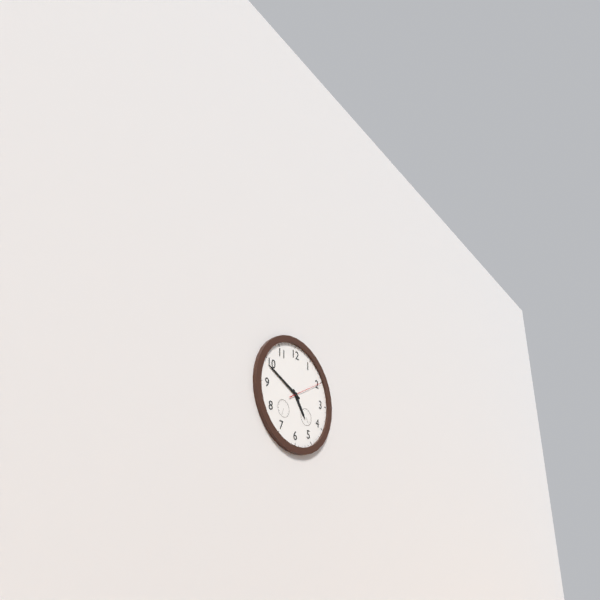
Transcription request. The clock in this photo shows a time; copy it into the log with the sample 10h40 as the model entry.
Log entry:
4h49
